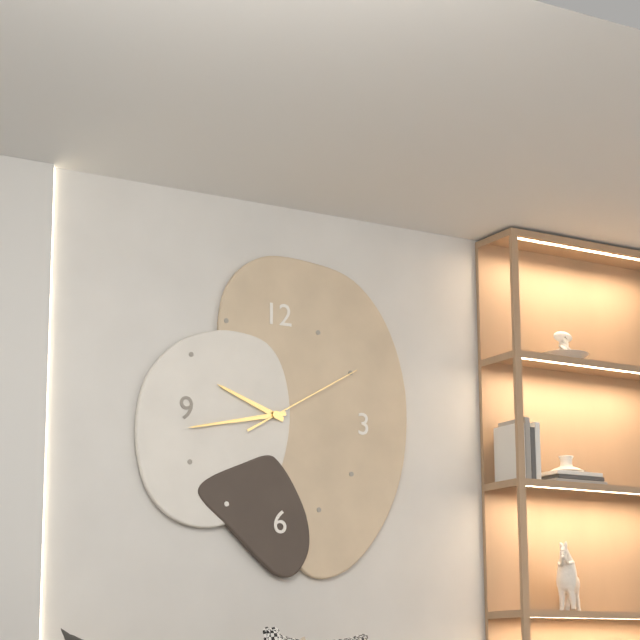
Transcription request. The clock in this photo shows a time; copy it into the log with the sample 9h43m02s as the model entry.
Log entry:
9h43m10s
